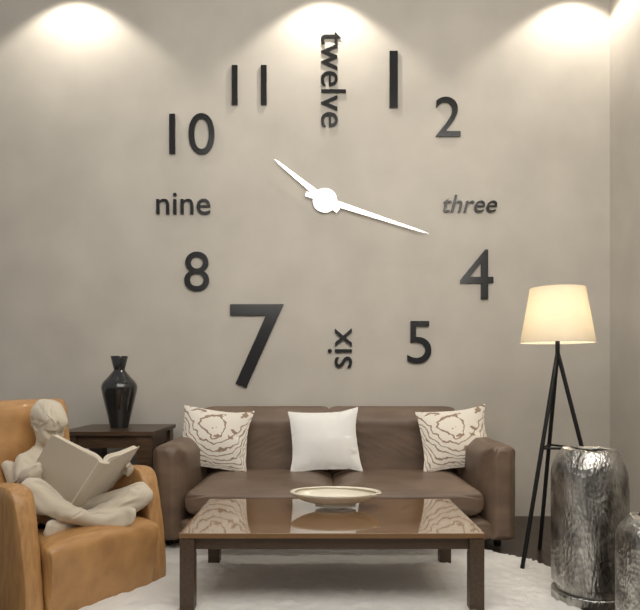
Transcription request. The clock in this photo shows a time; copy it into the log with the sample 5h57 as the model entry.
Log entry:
10h18
